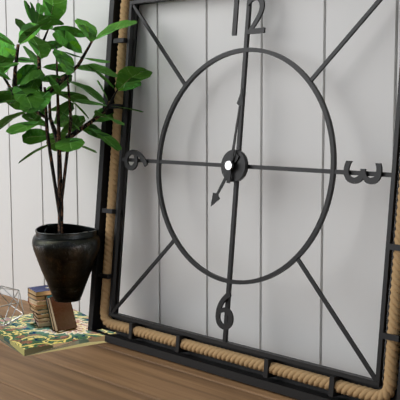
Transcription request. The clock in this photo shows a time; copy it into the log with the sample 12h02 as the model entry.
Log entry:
7h01
